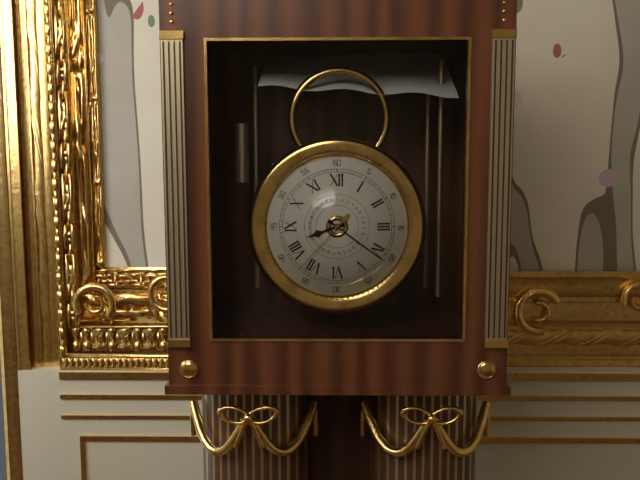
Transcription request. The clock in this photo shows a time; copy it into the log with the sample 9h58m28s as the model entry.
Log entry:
8h21m37s
